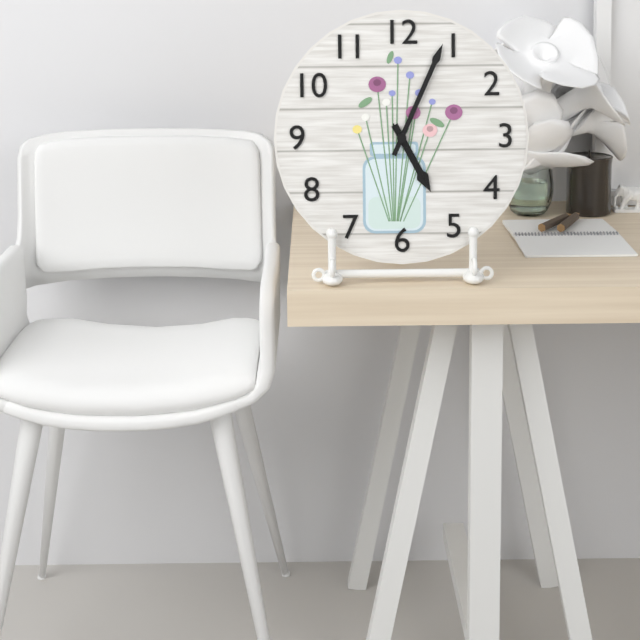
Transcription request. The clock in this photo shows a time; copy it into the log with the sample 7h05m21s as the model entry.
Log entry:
5h04m25s
